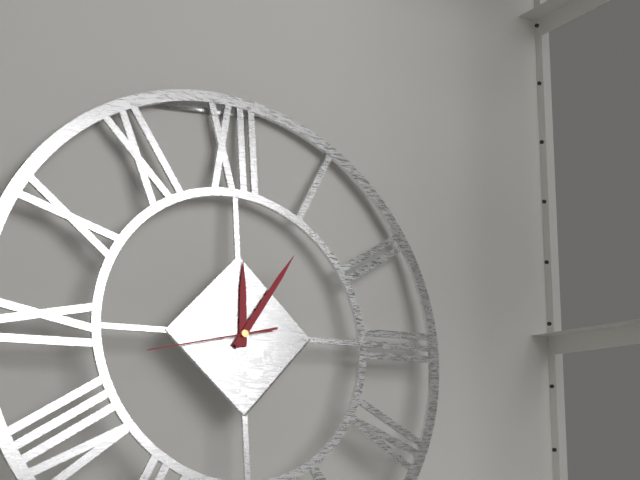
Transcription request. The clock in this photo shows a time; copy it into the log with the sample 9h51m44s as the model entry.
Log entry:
12h06m43s
